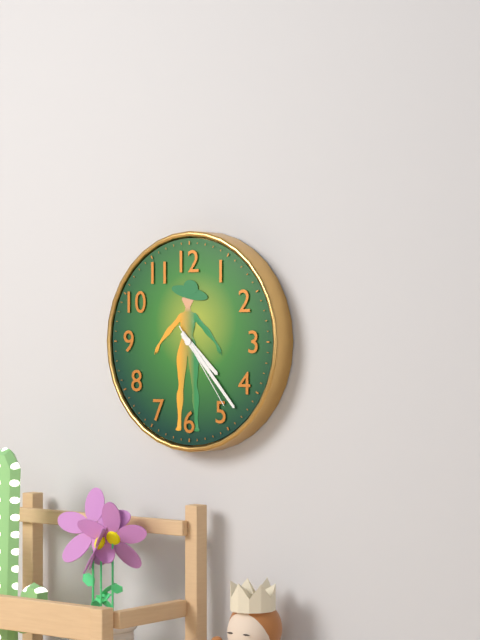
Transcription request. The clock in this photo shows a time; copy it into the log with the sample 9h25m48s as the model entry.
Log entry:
4h23m24s
